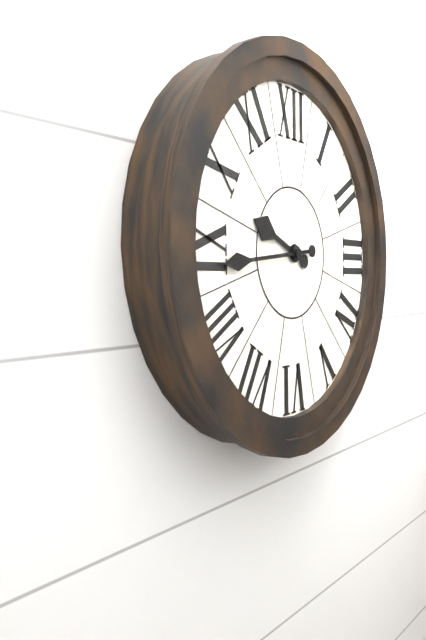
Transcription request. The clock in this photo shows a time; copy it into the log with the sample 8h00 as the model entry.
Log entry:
9h44
